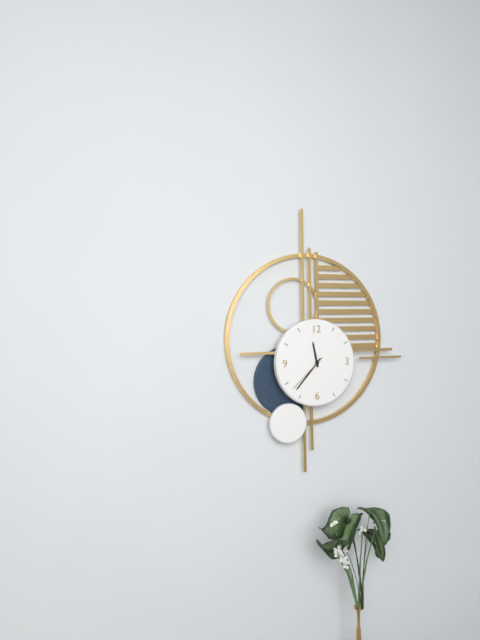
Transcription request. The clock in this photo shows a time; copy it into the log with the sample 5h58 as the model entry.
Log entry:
11h37
